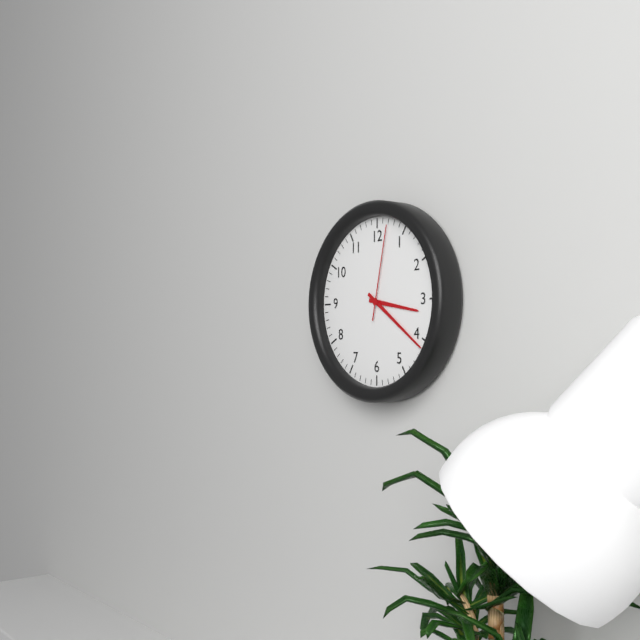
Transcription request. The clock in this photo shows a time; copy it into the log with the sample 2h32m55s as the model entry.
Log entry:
3h21m02s
